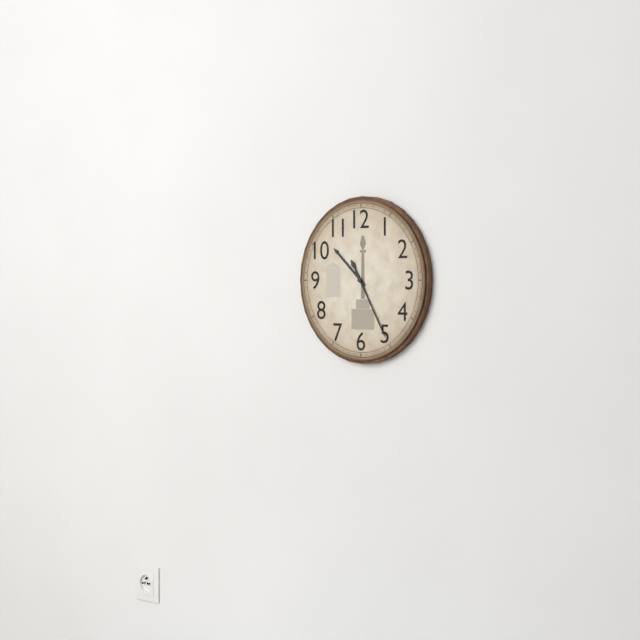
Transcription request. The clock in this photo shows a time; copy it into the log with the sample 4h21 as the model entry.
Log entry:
10h25
